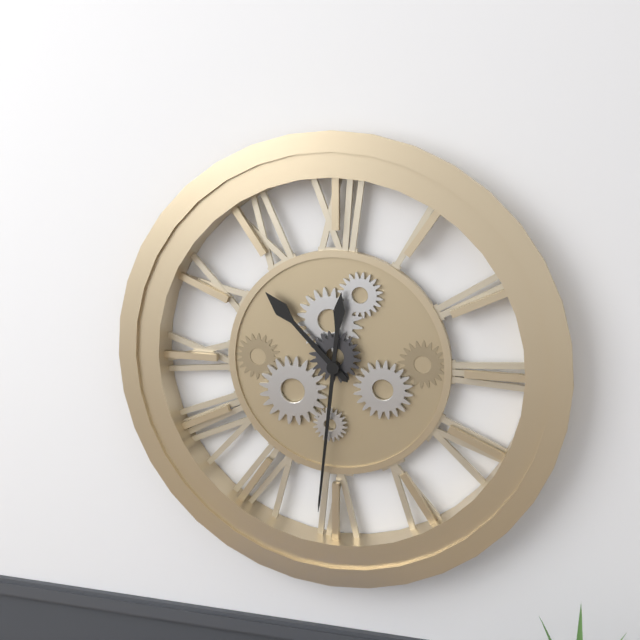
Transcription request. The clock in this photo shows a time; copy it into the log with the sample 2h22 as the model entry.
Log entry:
10h31
